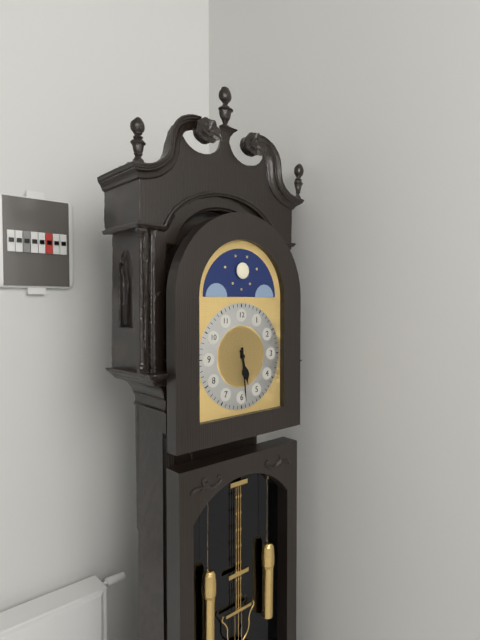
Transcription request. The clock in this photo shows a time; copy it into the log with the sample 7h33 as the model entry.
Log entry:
5h29
